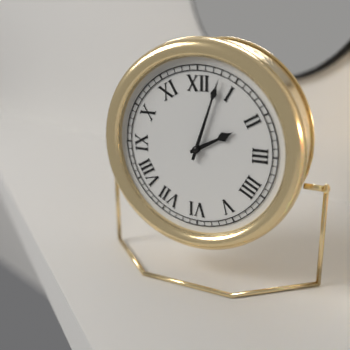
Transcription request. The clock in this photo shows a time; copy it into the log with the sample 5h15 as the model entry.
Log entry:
2h03
